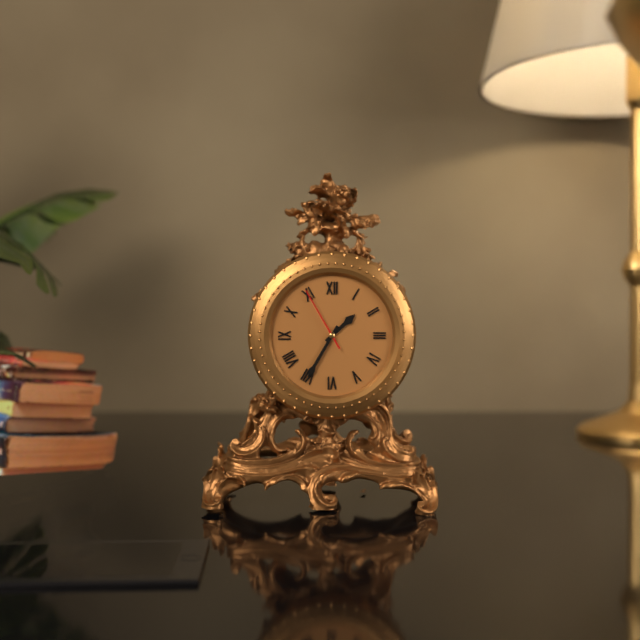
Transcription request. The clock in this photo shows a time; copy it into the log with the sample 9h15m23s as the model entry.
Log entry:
1h35m55s
